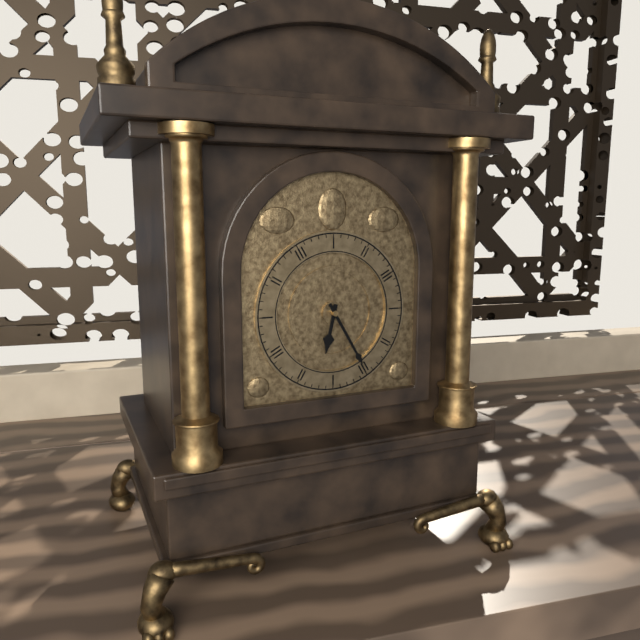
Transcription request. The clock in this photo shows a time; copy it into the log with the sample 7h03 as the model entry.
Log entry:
6h25
